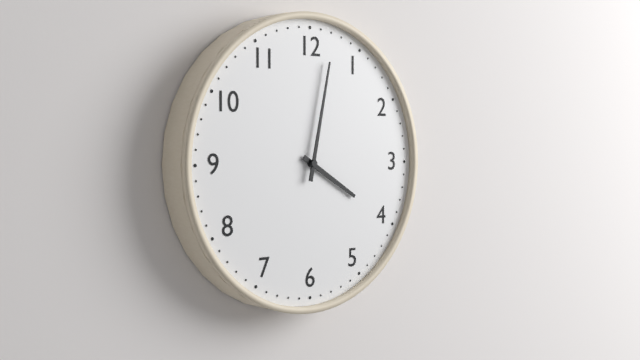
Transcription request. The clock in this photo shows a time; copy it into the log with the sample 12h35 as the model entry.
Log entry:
4h02
